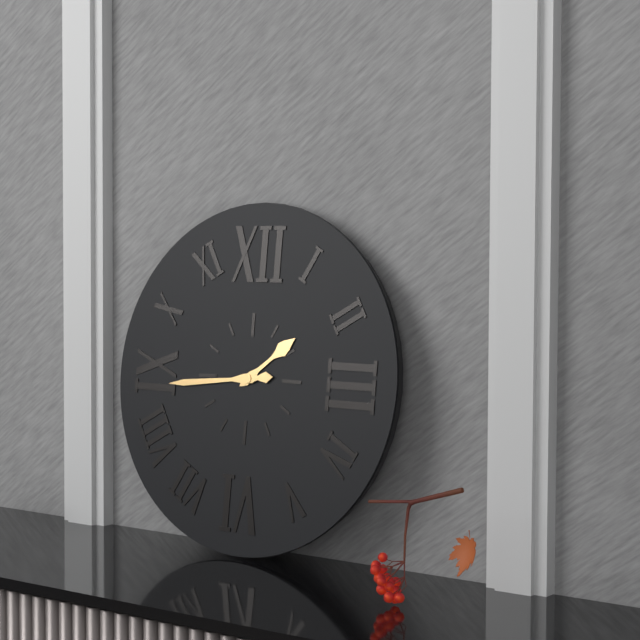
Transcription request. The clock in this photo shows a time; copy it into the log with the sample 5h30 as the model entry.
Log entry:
1h44
